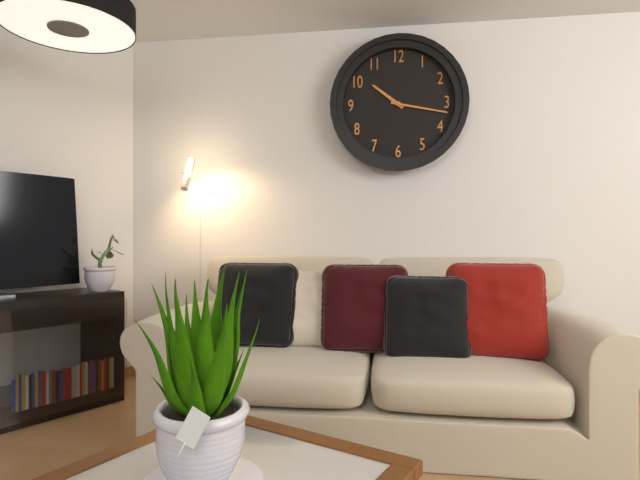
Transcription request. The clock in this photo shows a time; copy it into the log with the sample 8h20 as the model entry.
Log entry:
10h17
